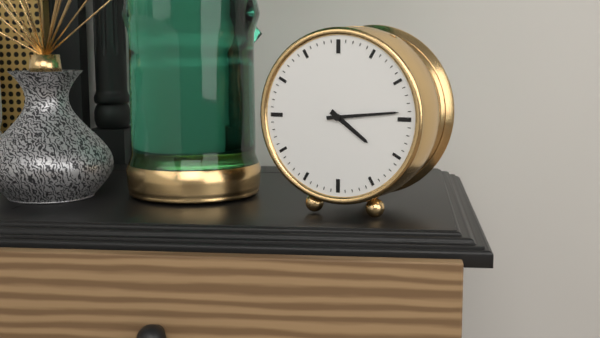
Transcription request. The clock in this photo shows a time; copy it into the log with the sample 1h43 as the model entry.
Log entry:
4h14
